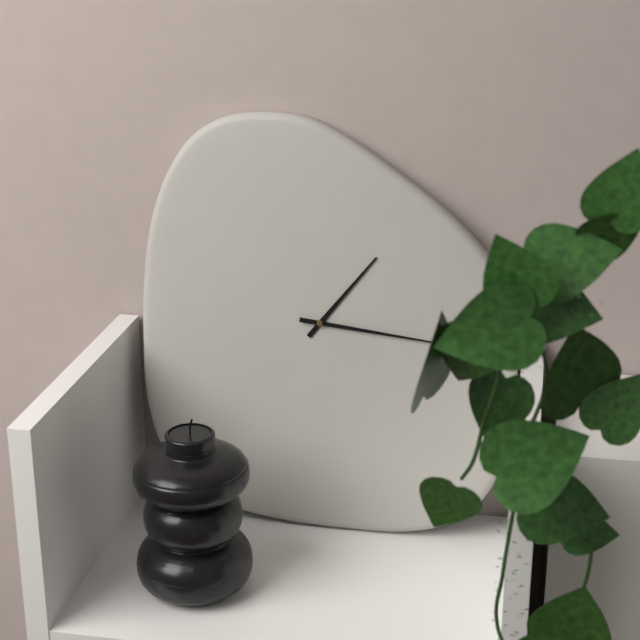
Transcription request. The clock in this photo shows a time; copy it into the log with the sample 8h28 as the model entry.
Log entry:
1h16
